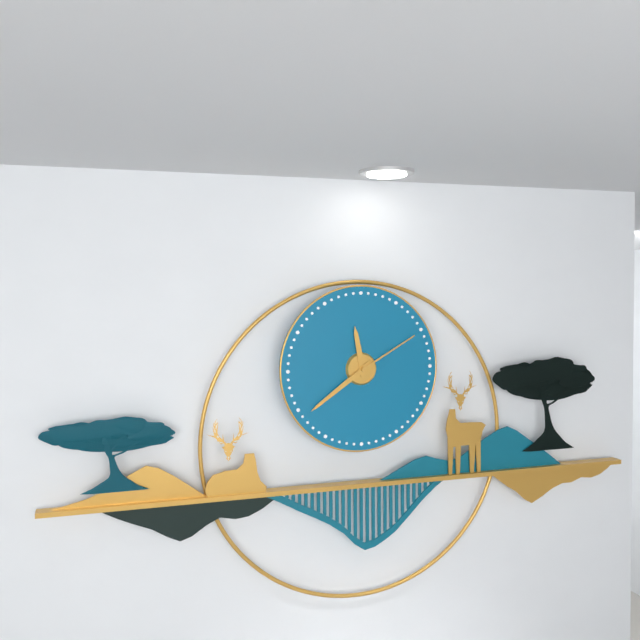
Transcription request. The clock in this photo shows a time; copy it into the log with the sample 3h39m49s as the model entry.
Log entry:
11h39m10s
